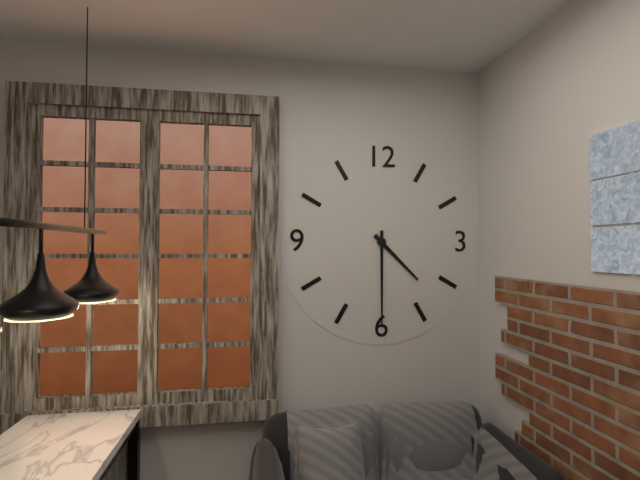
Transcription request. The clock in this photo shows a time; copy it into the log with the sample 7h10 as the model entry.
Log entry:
4h30
